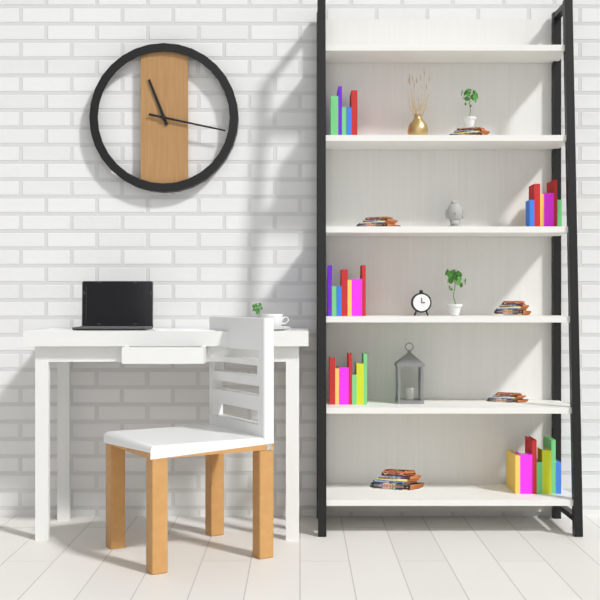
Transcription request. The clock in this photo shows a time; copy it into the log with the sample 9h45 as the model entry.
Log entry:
11h17
